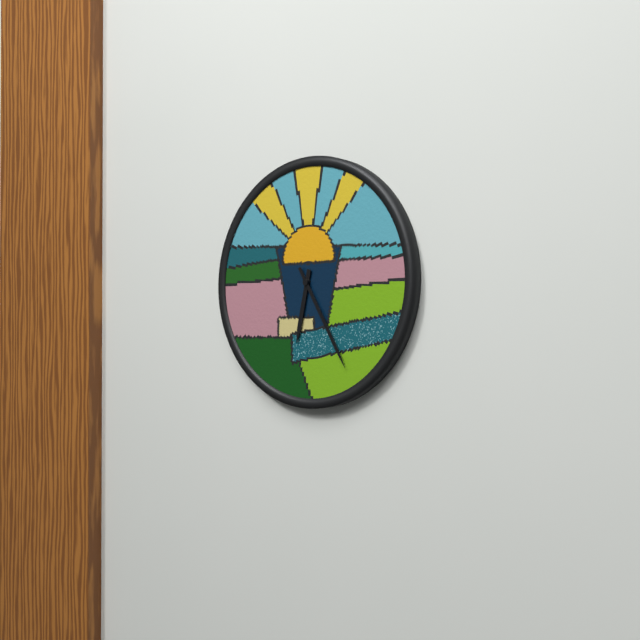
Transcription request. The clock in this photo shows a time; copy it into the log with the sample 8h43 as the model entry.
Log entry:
6h25
